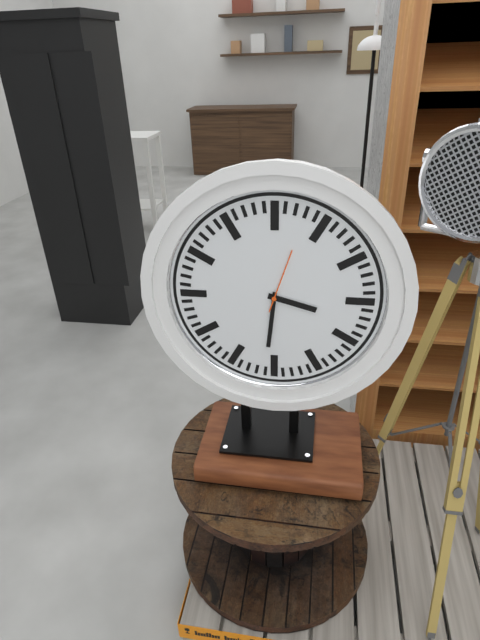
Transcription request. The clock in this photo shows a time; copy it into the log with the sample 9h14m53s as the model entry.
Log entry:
3h31m03s
